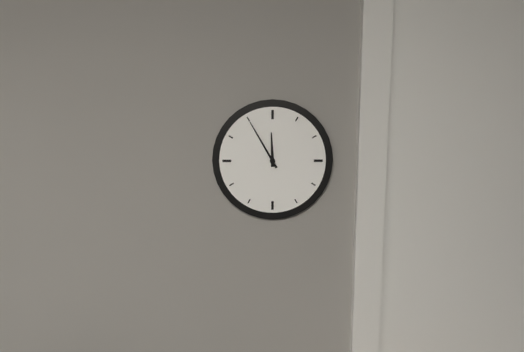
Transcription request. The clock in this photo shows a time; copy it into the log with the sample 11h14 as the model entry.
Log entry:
11h55
